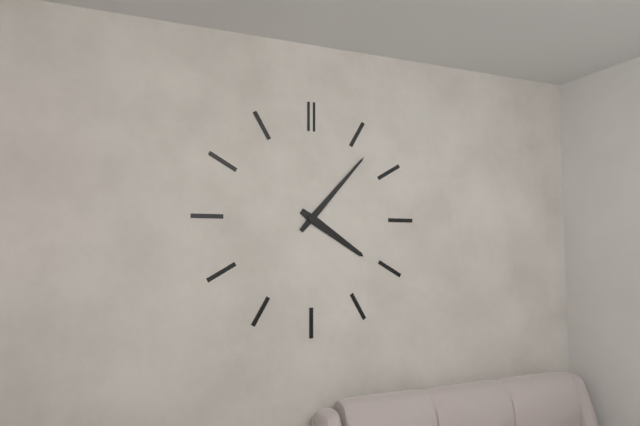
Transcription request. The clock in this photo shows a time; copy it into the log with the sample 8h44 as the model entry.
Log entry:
4h07
